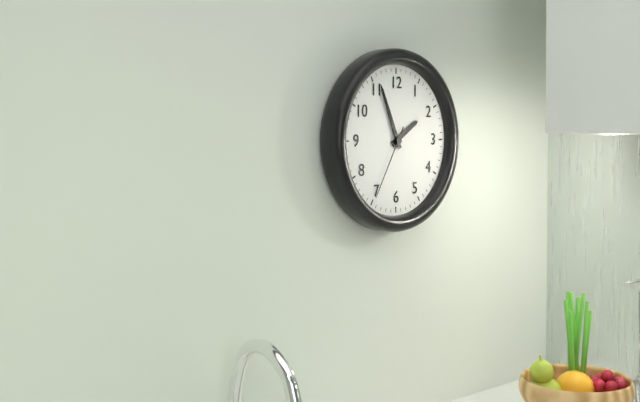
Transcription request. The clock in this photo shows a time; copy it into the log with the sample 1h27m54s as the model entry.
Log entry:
1h56m35s
